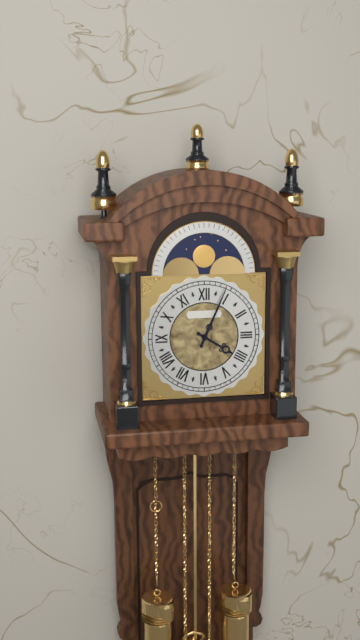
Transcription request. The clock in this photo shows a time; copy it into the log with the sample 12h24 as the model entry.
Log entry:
4h04
